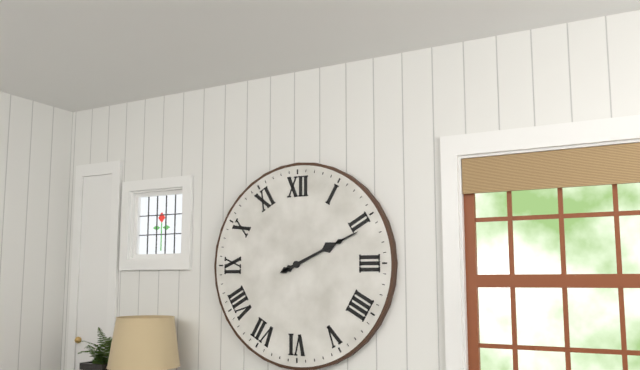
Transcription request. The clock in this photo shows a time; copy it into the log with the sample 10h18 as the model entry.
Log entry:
2h11
